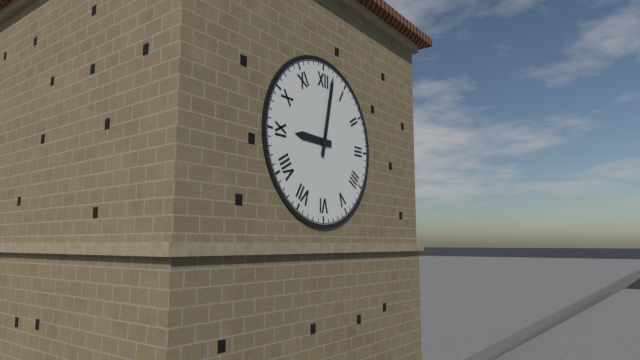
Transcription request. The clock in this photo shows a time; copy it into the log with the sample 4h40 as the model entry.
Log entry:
9h02
